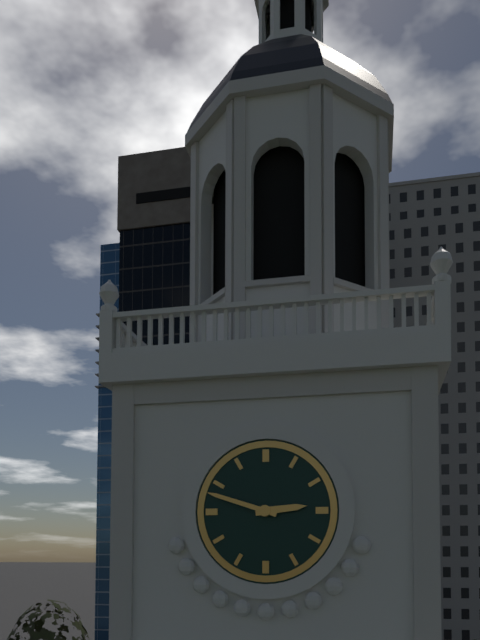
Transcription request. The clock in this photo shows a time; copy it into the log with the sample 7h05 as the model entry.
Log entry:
2h48
